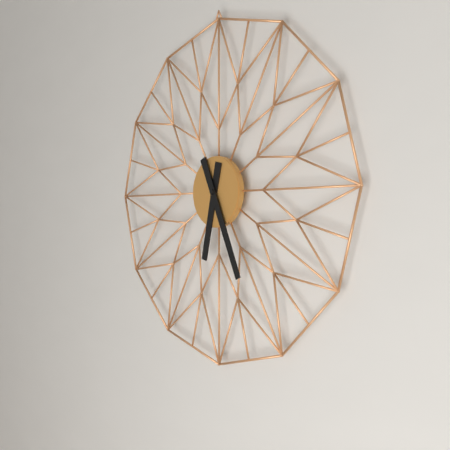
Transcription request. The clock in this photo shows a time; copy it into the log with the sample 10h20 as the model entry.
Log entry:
6h26
